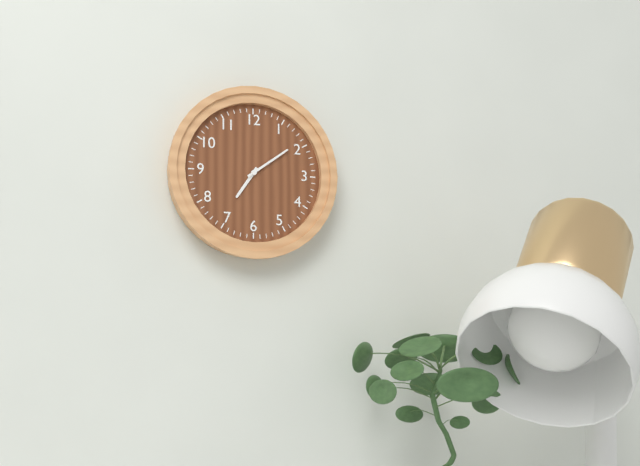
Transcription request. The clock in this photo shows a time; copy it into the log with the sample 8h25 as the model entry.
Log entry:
7h09
